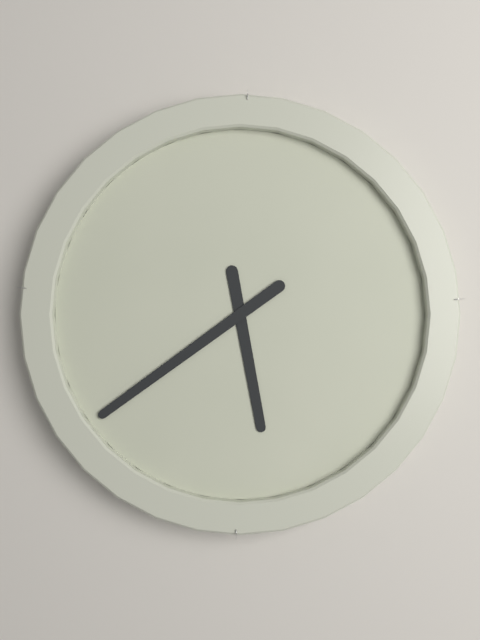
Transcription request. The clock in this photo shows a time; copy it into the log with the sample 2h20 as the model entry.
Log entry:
5h39
